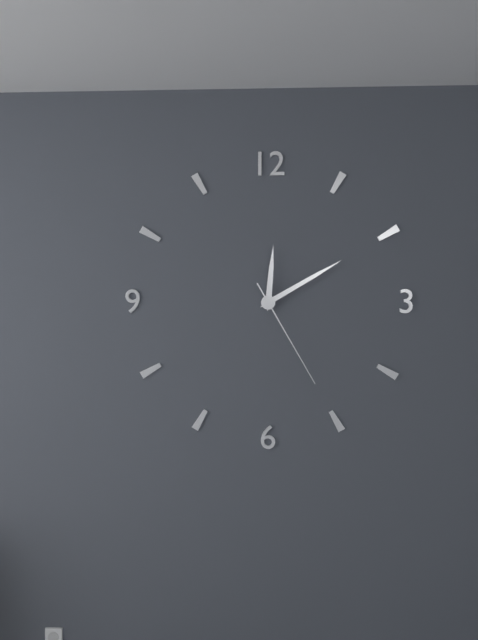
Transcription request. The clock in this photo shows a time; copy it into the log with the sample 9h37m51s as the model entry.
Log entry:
12h10m25s
